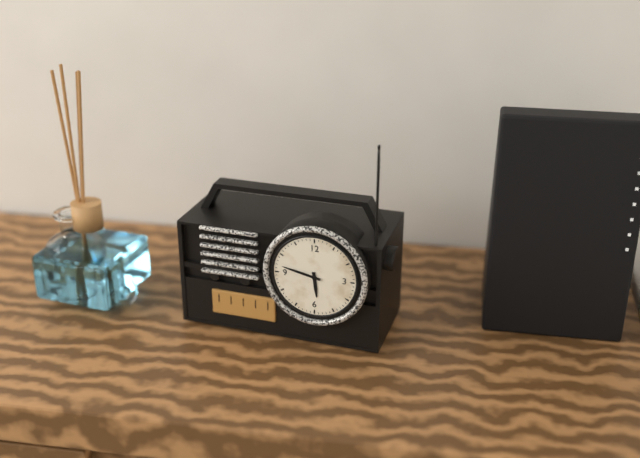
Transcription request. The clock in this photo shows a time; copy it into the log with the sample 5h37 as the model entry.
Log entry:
5h47
